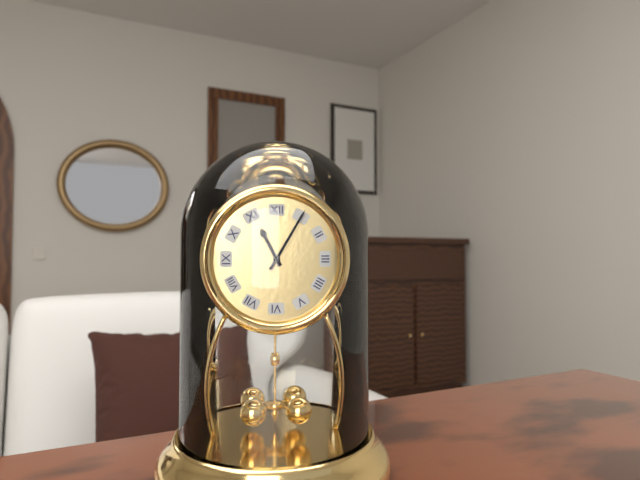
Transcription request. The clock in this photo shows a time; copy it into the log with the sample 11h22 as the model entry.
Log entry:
11h05
